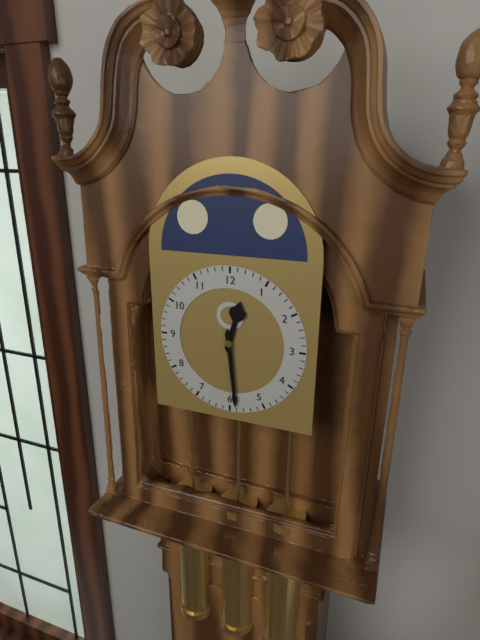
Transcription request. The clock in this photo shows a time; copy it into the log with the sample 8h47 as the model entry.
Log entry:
12h29
